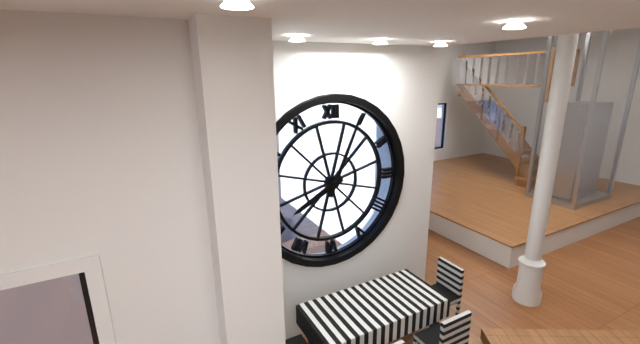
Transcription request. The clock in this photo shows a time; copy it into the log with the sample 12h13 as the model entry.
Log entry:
8h04
